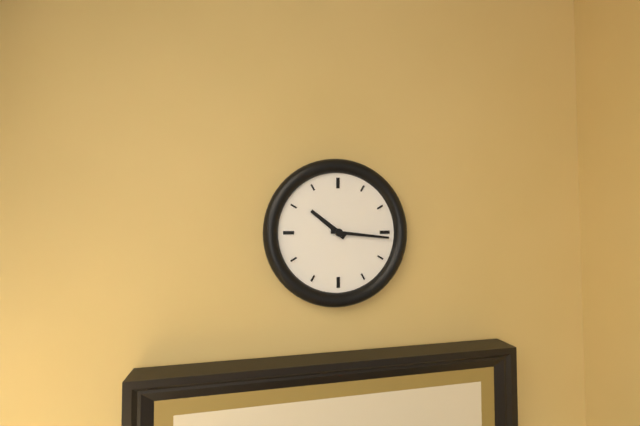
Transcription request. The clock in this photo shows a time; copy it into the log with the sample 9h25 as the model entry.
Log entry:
10h16
